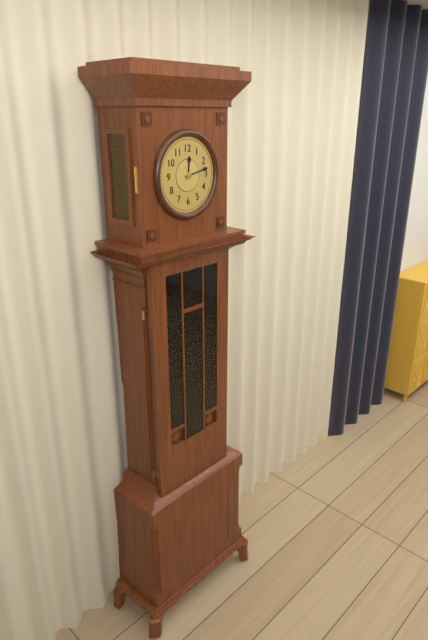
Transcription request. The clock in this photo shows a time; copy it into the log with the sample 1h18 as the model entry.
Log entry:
12h13
